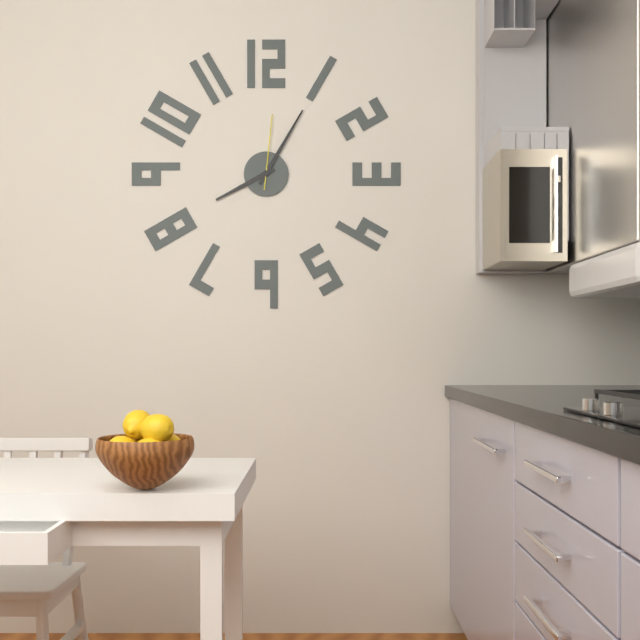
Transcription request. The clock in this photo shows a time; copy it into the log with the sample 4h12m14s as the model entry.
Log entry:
8h05m01s
